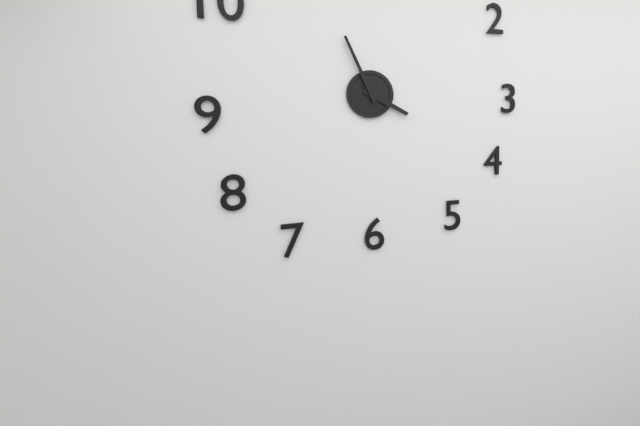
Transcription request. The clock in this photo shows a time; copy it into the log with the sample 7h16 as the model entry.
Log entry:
3h56
